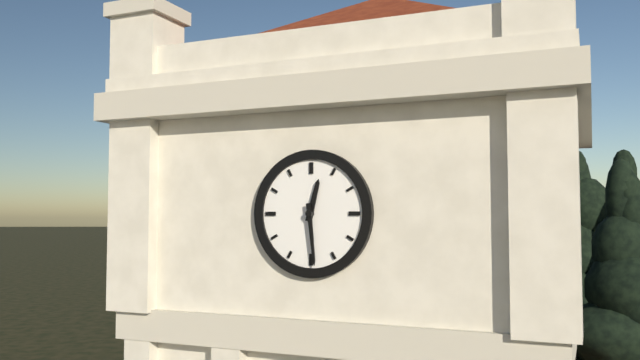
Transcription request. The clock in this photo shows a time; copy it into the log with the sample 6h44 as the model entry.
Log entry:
12h29
